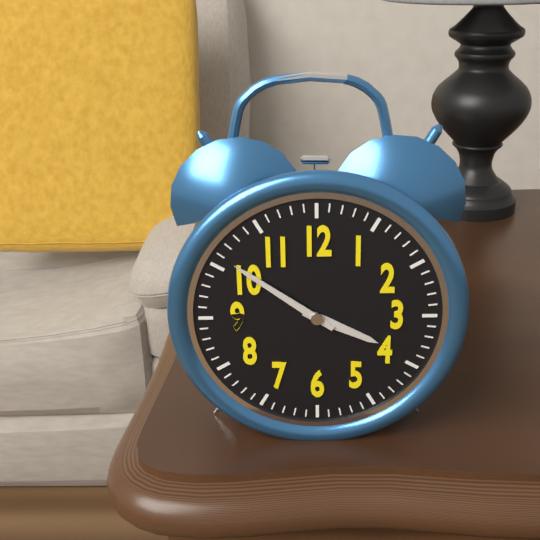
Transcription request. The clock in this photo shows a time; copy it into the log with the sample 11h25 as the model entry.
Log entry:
3h51
